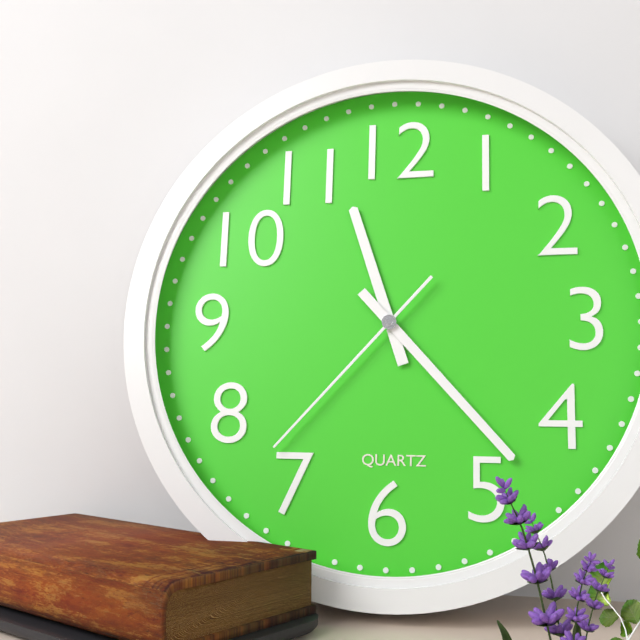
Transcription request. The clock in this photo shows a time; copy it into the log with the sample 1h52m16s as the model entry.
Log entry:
11h23m37s
